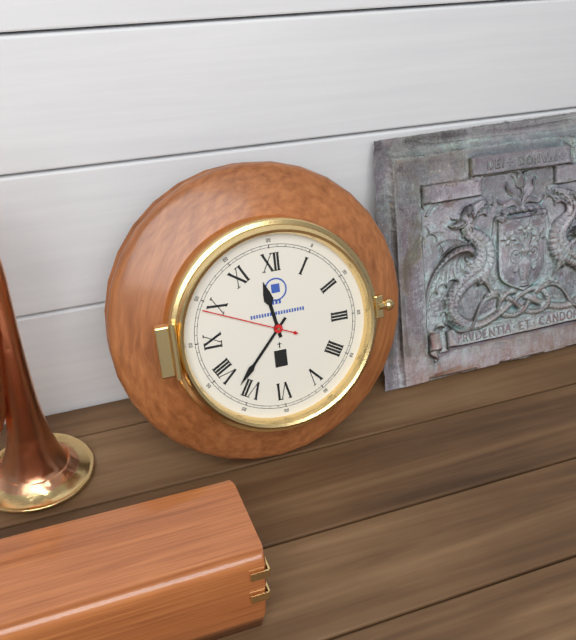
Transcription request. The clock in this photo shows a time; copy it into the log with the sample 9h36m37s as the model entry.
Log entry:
11h37m49s
